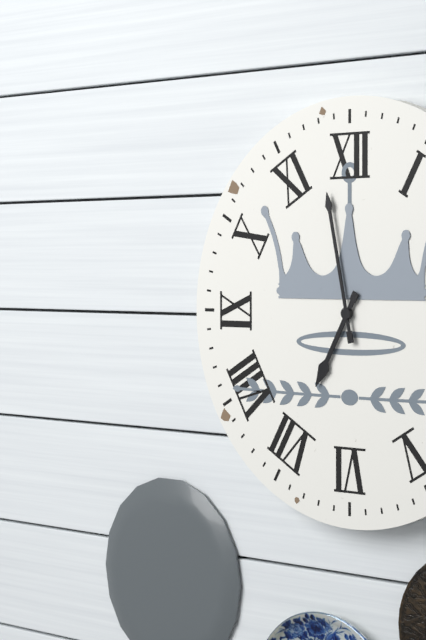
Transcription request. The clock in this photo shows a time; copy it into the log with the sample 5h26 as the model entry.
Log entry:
6h58
